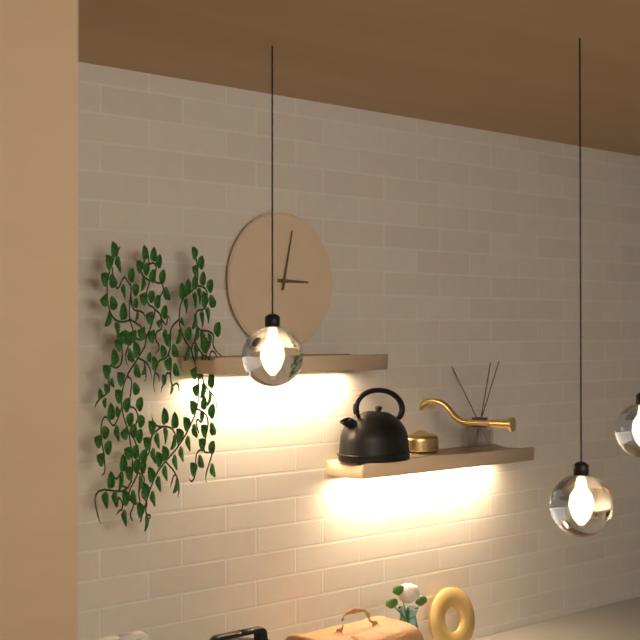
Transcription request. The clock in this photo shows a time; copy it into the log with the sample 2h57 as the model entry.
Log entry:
3h02
